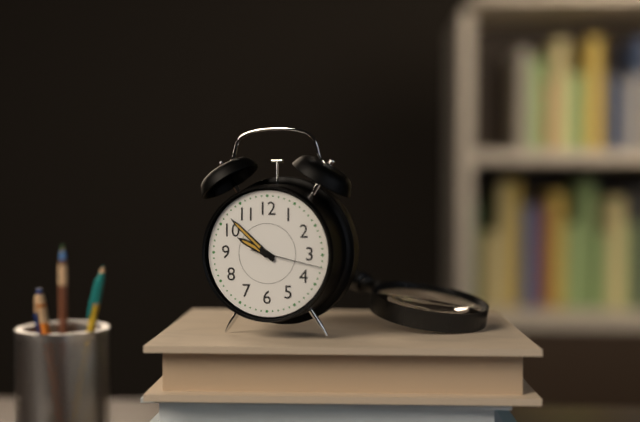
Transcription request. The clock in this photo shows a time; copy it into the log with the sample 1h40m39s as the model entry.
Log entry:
9h52m17s
